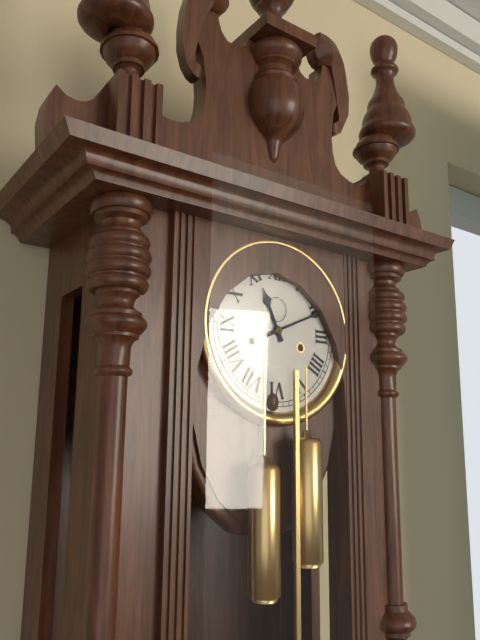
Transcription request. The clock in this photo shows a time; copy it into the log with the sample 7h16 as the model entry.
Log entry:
11h11
